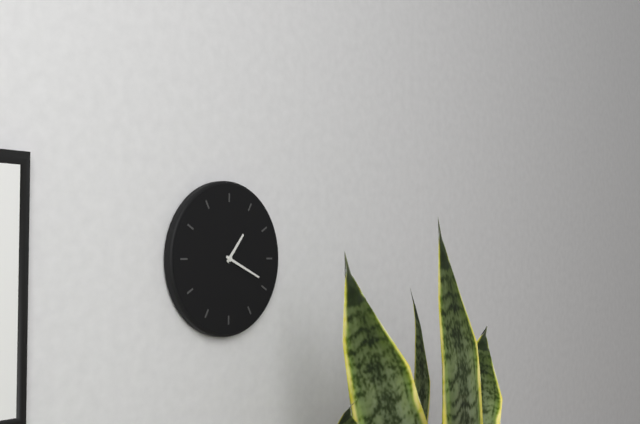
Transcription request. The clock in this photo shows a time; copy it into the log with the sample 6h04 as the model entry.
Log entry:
1h19
